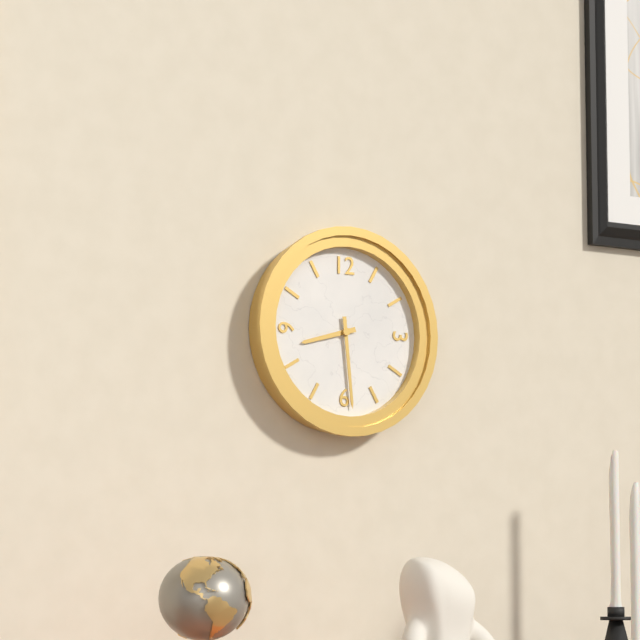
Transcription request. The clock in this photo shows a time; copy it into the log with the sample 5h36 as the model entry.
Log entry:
8h29
